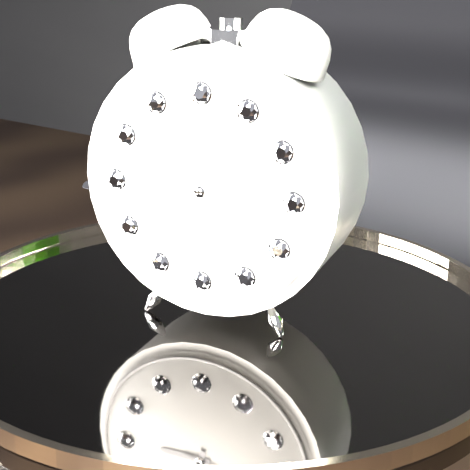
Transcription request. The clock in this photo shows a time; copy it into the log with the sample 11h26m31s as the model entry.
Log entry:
8h58m13s
